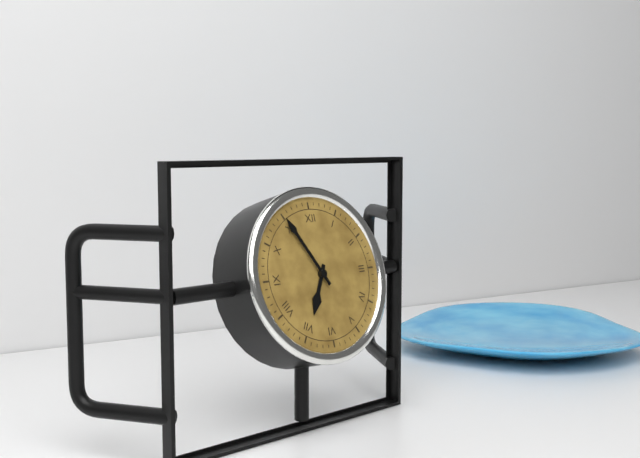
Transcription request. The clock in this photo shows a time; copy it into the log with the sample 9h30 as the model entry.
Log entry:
6h55
